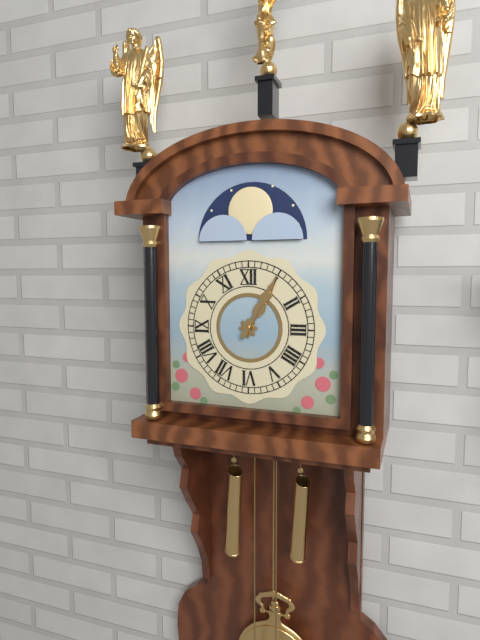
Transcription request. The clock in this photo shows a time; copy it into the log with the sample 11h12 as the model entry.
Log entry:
1h05
